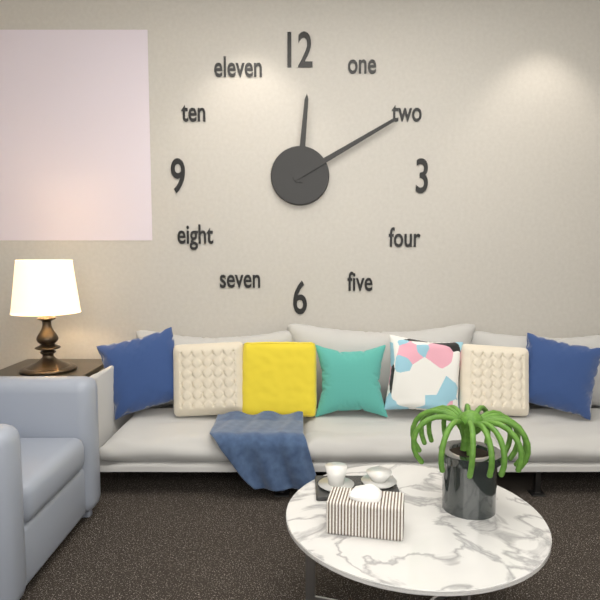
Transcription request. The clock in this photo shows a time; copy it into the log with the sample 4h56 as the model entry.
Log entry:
12h10
